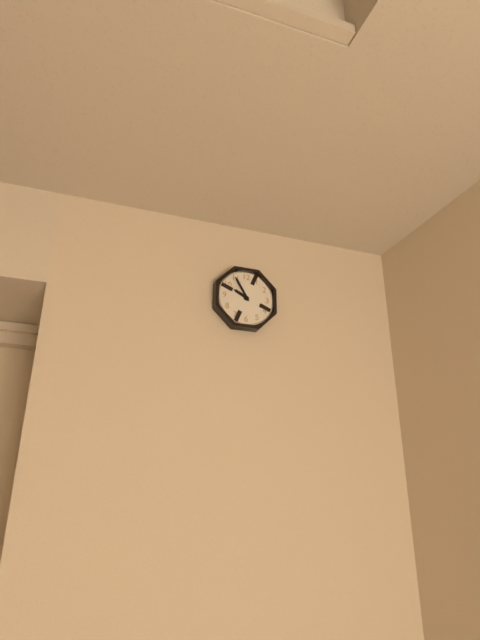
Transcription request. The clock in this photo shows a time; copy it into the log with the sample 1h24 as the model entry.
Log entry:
9h55
